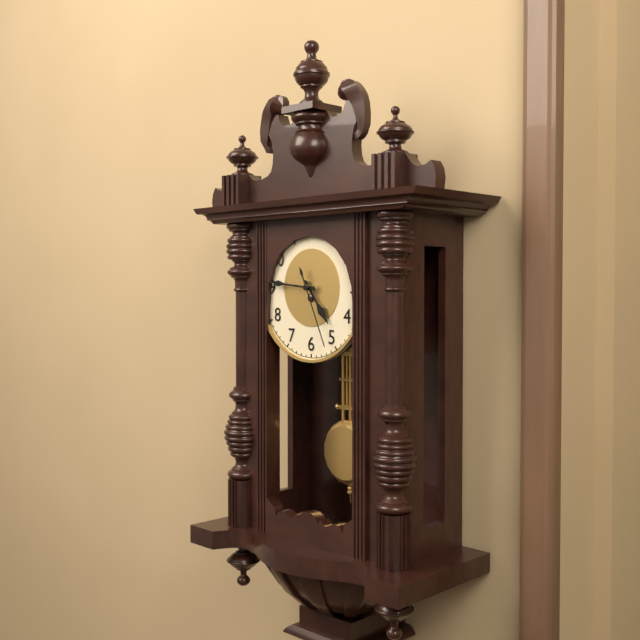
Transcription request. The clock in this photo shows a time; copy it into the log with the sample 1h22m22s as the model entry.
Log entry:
4h46m26s
